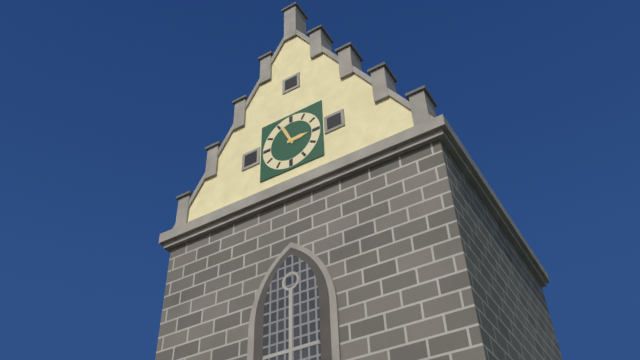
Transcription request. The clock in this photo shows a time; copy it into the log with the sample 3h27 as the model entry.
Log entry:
2h56
